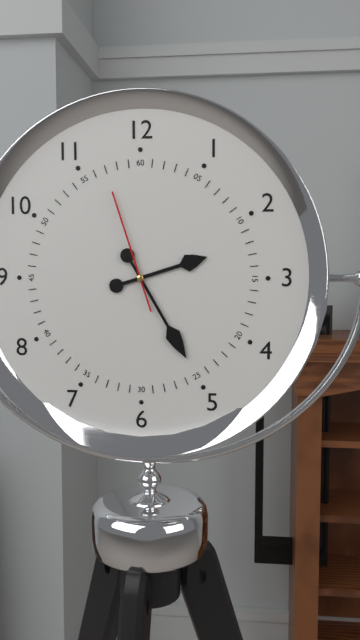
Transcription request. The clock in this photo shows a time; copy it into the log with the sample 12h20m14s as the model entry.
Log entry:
2h25m57s
